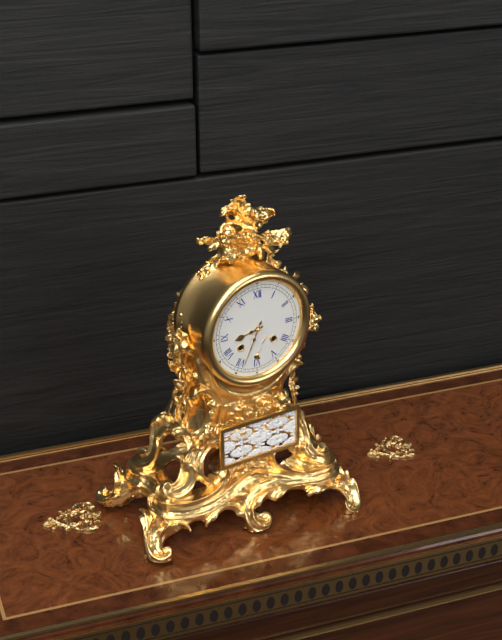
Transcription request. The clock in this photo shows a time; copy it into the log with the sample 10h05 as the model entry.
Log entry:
8h34
